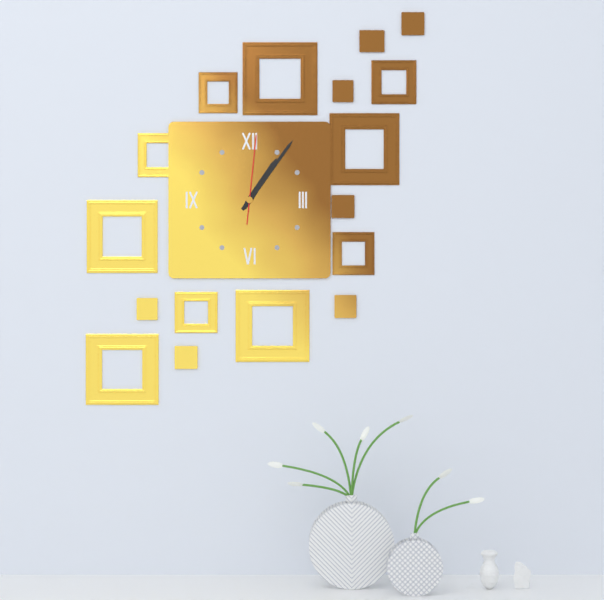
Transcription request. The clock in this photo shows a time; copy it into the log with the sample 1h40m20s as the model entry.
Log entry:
1h06m01s
